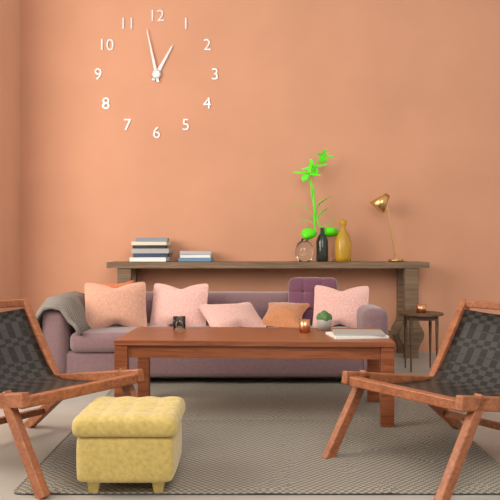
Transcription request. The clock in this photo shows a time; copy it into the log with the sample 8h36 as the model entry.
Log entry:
12h58
